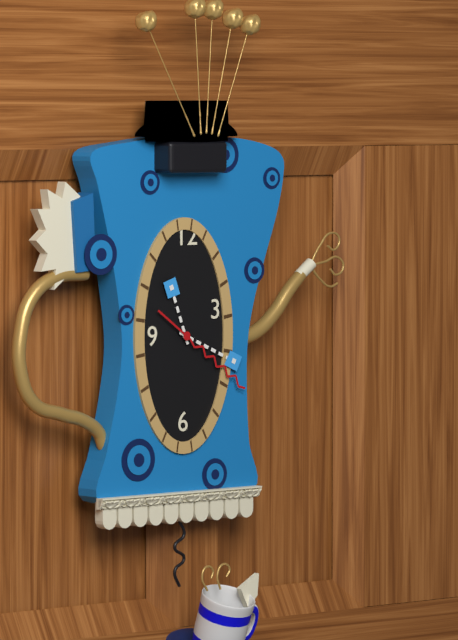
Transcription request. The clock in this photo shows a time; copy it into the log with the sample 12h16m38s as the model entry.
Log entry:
11h19m21s
